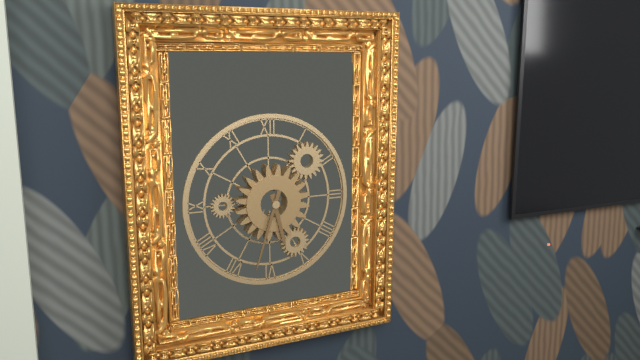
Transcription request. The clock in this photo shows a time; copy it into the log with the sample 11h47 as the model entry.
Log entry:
5h33
